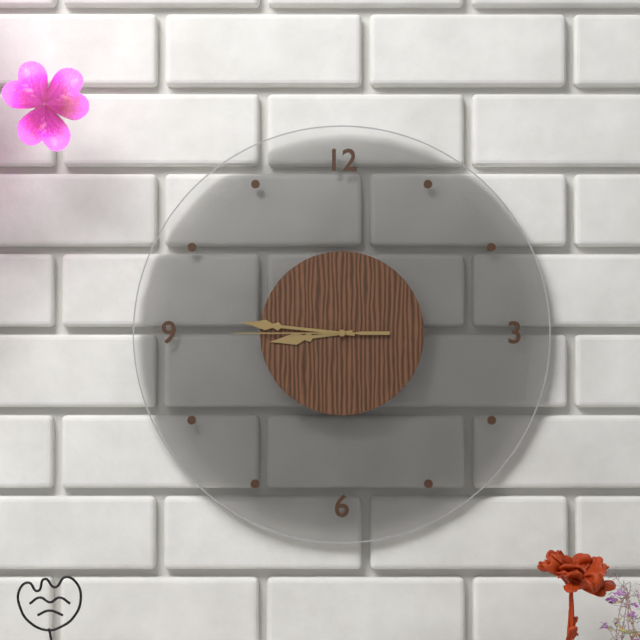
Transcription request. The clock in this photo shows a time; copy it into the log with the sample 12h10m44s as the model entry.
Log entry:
8h46m45s
